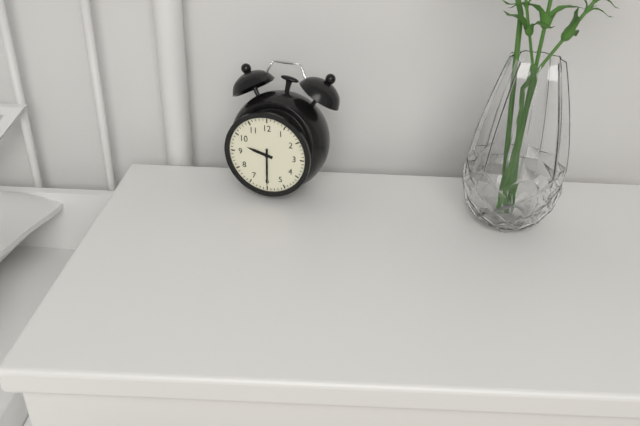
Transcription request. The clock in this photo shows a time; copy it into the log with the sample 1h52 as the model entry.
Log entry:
9h30
